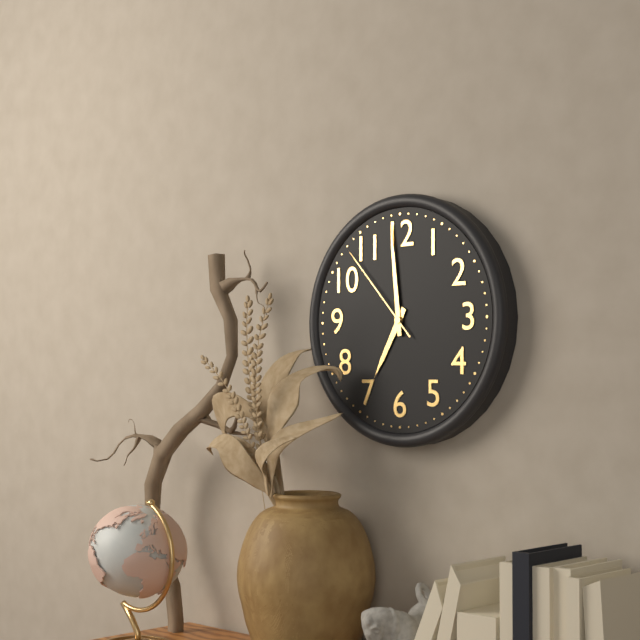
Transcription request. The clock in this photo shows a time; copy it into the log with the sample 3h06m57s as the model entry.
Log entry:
6h59m53s
